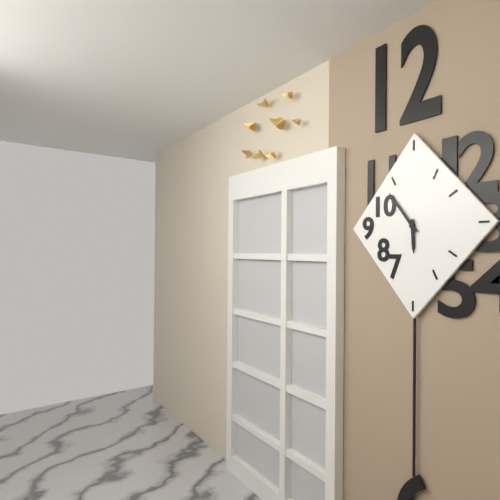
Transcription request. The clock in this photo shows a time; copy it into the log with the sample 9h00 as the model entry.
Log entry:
5h53
